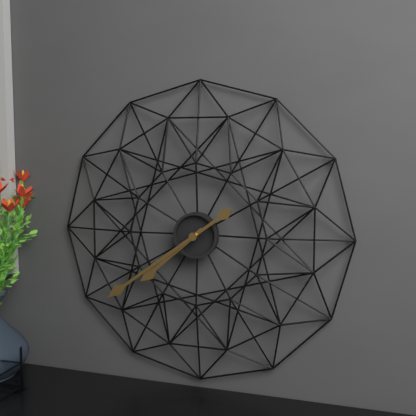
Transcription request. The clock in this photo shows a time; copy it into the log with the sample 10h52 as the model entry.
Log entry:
7h39
